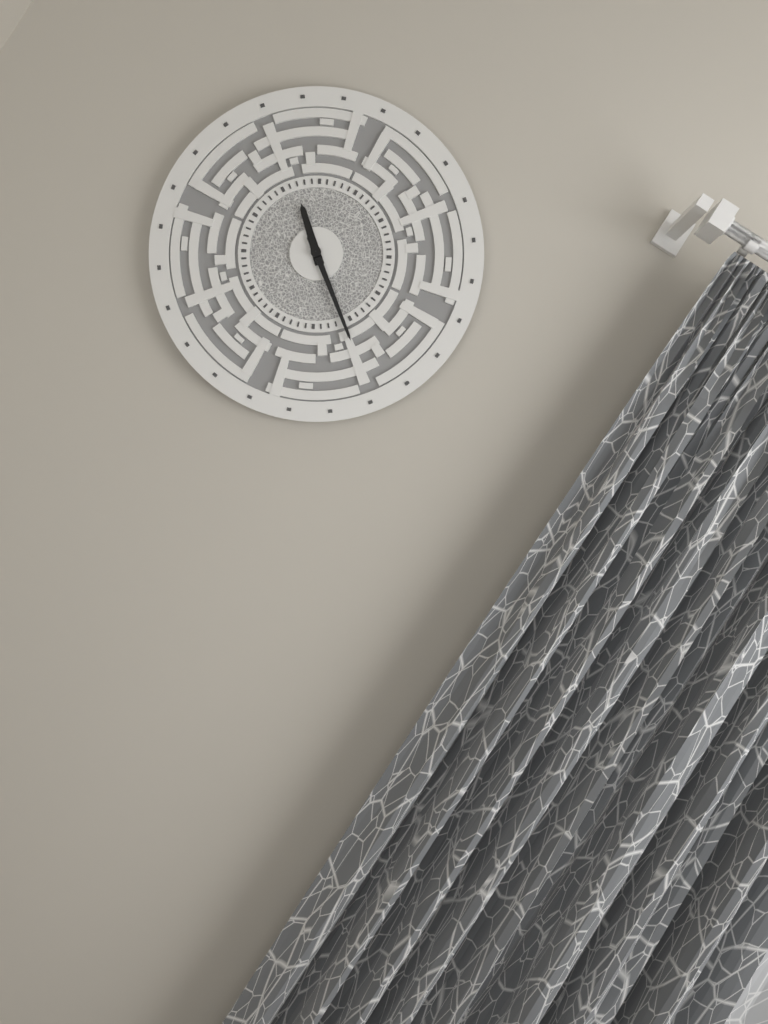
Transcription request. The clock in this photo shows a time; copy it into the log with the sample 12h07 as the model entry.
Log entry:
10h21
